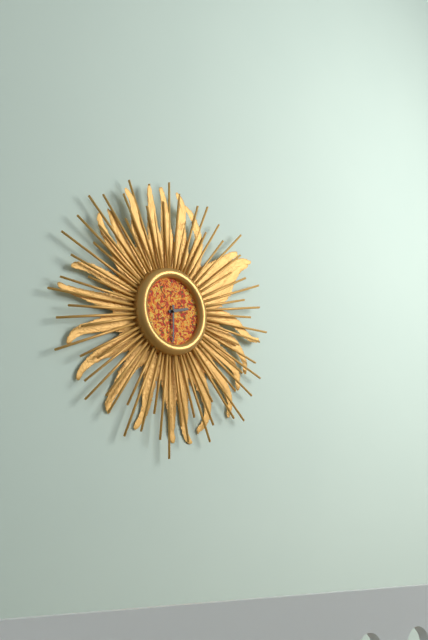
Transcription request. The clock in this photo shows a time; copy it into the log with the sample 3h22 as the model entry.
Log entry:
2h30
